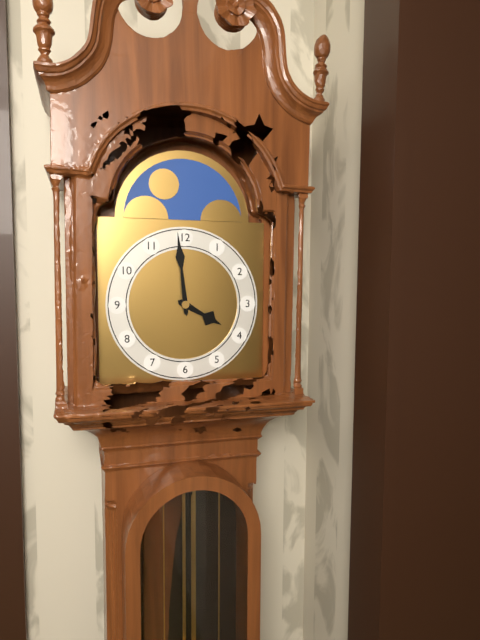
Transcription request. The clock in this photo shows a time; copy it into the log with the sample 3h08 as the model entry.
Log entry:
3h59
